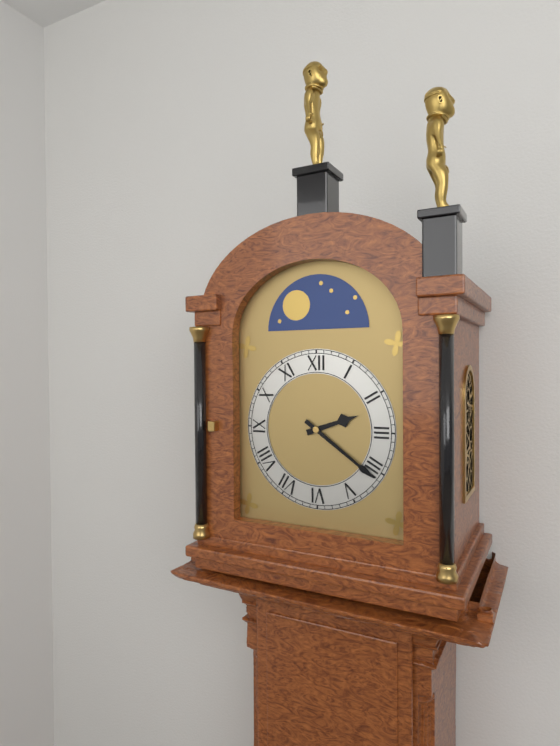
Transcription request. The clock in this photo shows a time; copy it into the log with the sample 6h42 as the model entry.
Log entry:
2h21
